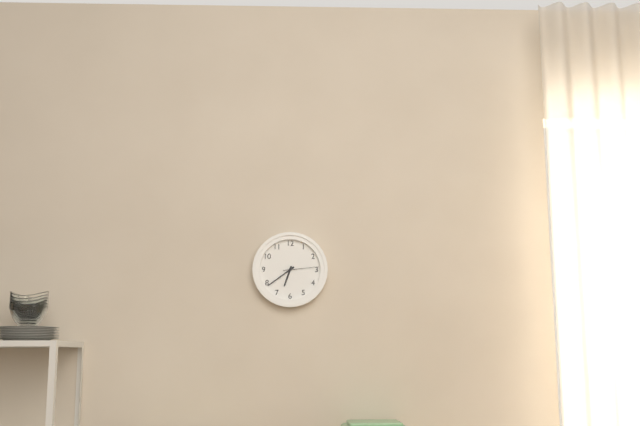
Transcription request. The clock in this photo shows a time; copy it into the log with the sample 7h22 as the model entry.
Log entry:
6h39
